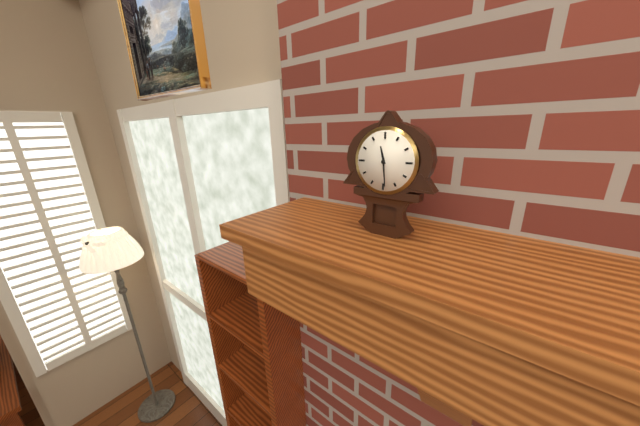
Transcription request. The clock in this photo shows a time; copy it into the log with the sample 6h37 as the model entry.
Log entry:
11h29
